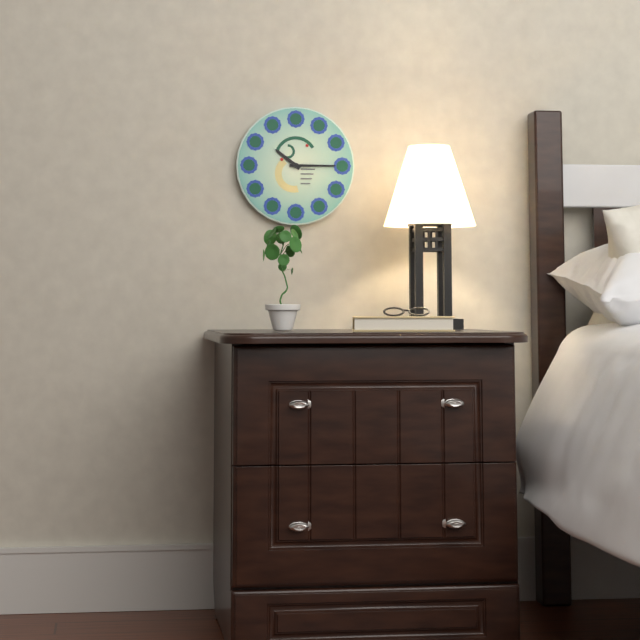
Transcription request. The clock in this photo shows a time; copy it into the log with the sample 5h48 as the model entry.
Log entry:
10h15
